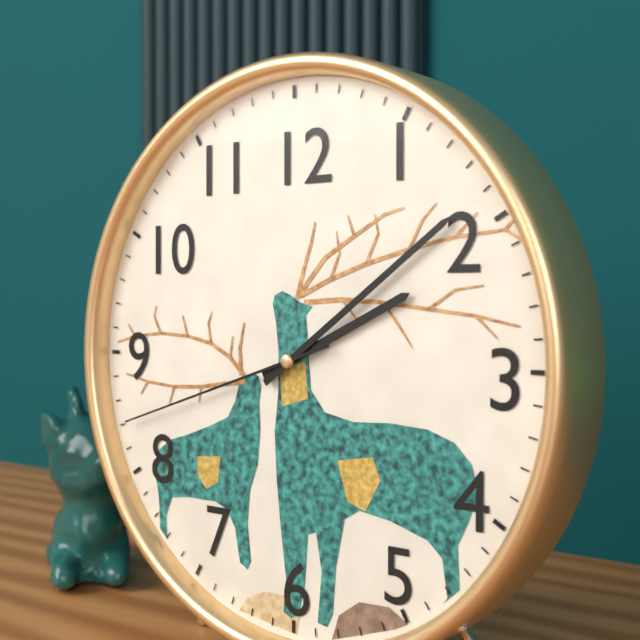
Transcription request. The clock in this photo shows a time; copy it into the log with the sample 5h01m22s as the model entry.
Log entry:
2h09m42s
